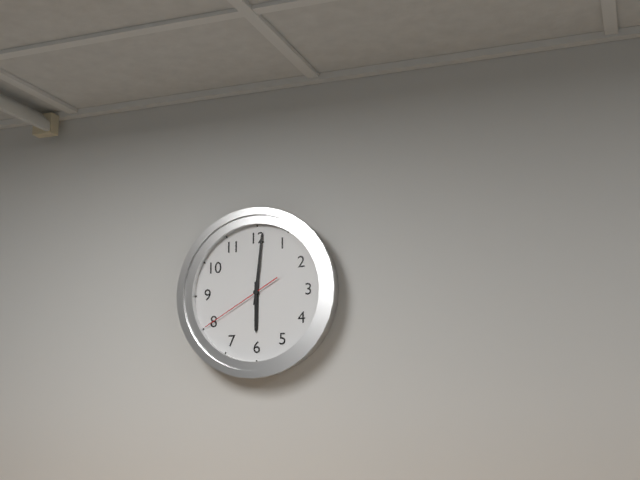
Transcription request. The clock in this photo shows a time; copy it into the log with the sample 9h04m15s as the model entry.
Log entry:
6h01m40s
